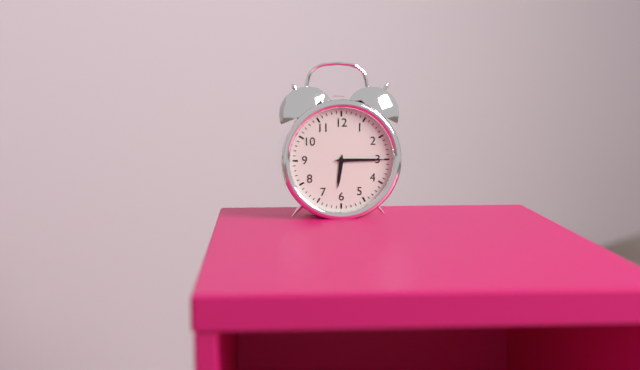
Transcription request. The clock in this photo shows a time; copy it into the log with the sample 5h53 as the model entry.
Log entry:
6h15
